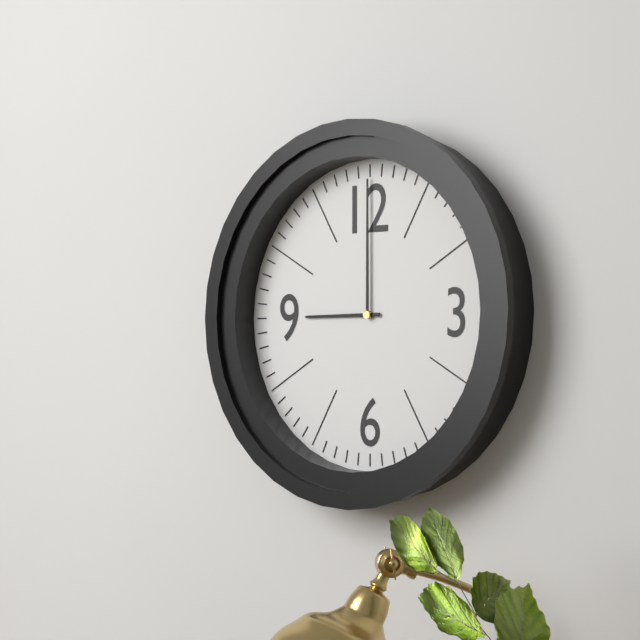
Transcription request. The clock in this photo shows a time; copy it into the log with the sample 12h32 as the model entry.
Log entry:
9h00
